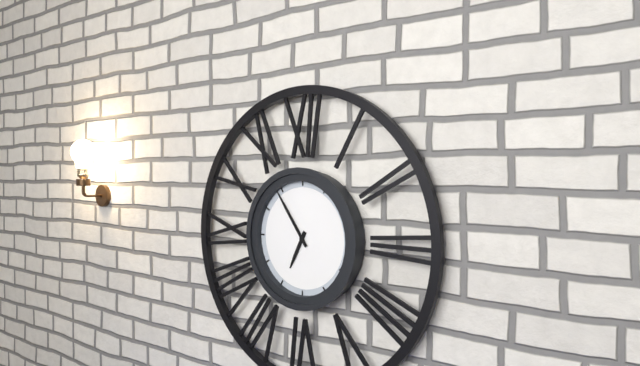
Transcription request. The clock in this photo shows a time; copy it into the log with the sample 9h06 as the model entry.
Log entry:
6h54
